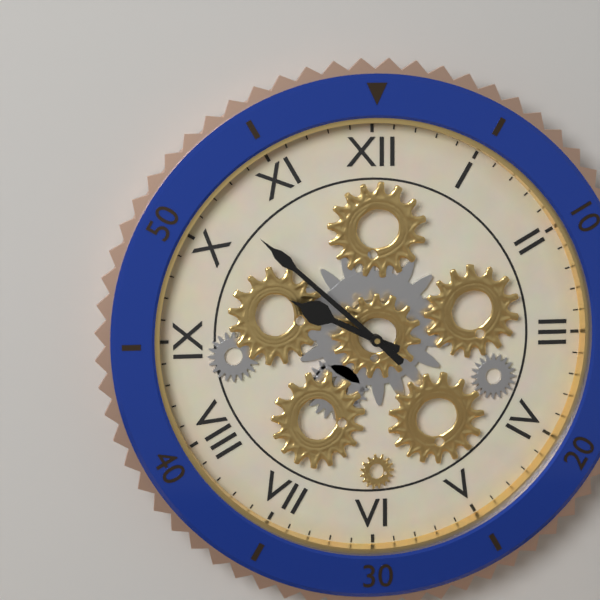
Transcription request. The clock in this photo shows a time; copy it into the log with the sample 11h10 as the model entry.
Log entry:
9h52
